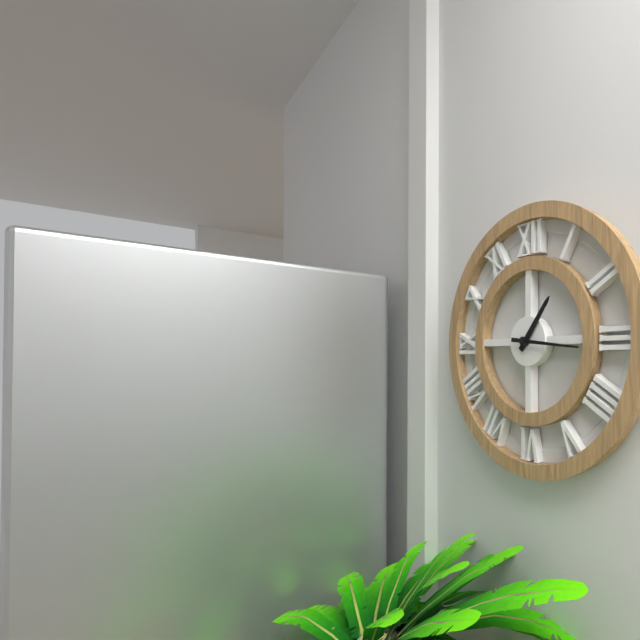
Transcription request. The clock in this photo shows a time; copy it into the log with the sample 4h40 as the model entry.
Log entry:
1h16
